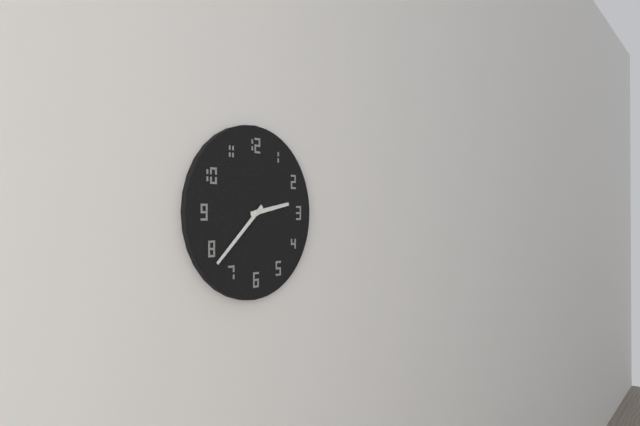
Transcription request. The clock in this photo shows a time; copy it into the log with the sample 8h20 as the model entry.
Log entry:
2h38
